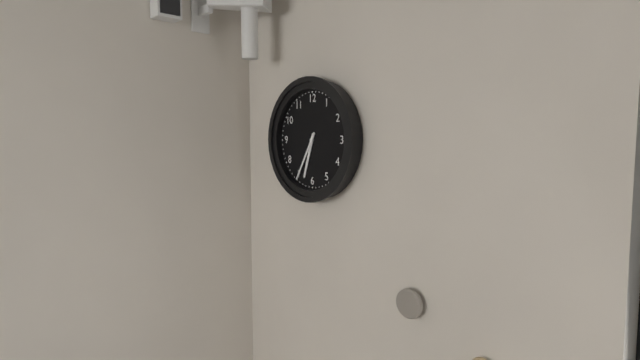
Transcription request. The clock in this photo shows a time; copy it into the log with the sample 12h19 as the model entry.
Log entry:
6h35
